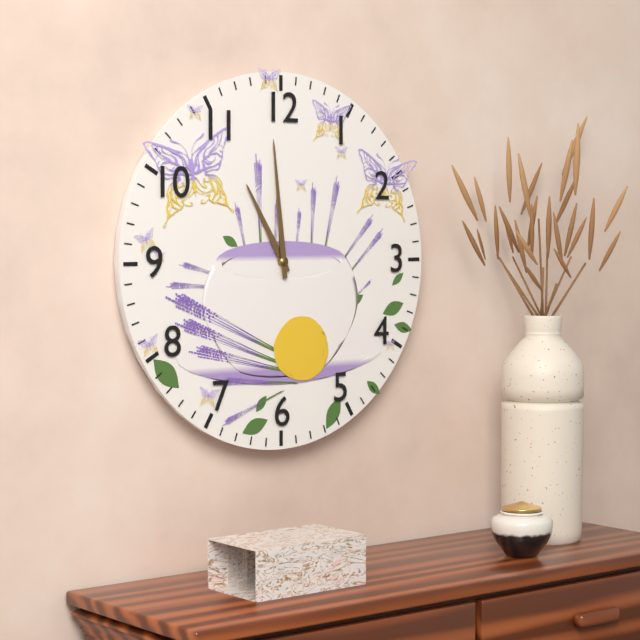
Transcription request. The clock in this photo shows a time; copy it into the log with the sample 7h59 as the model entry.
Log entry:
10h59
